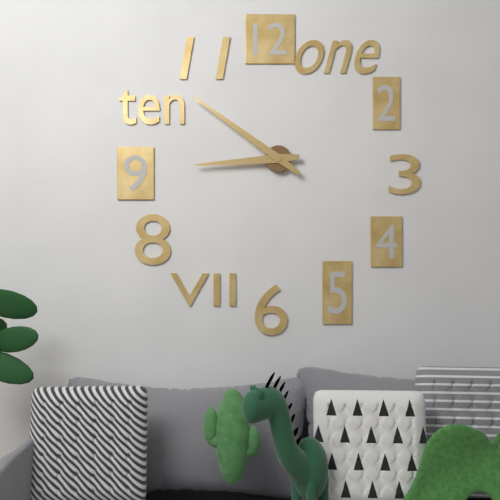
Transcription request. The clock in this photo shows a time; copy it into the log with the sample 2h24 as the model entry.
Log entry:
8h51
